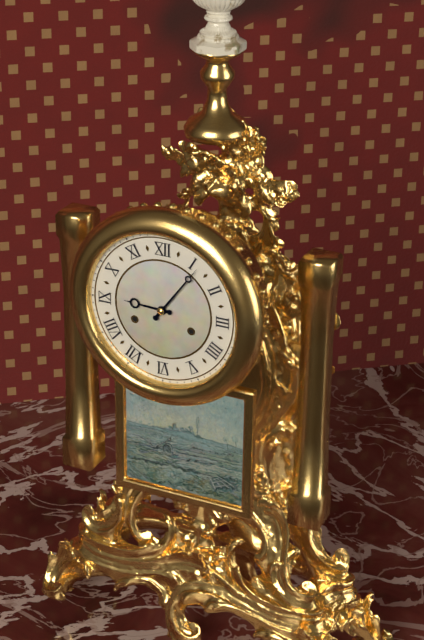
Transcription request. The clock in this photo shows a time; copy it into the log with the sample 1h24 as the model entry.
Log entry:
9h06
